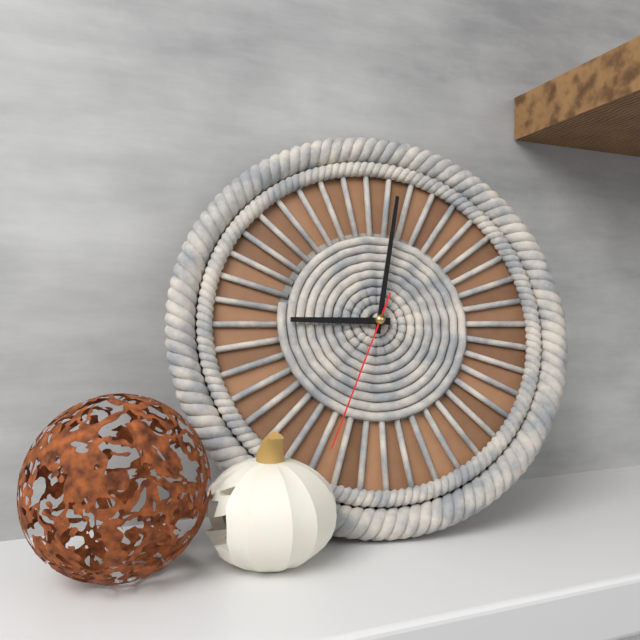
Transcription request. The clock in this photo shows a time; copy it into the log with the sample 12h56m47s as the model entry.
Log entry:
9h02m34s
